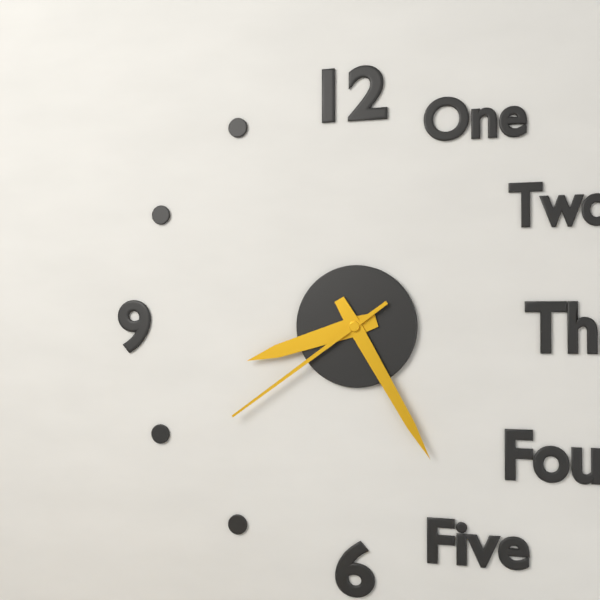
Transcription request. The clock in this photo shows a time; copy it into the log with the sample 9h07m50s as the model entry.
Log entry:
8h25m39s
